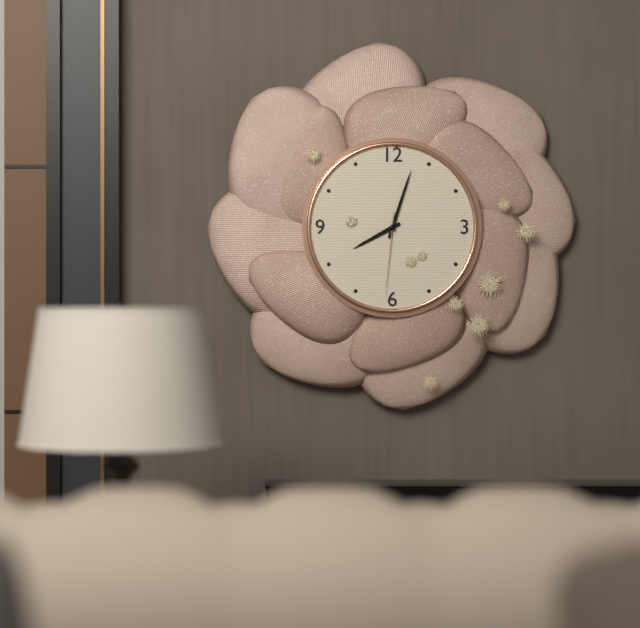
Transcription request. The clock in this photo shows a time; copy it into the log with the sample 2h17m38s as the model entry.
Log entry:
8h03m31s
